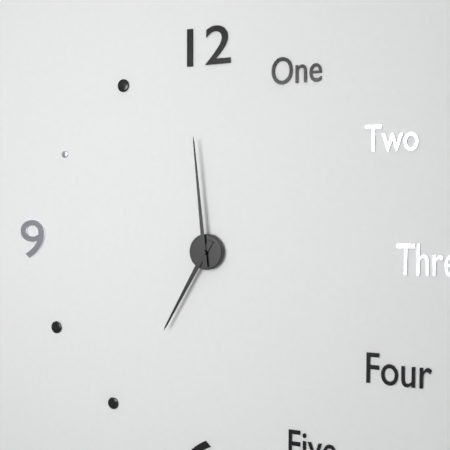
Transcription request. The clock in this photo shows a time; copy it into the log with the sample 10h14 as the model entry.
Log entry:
6h59
